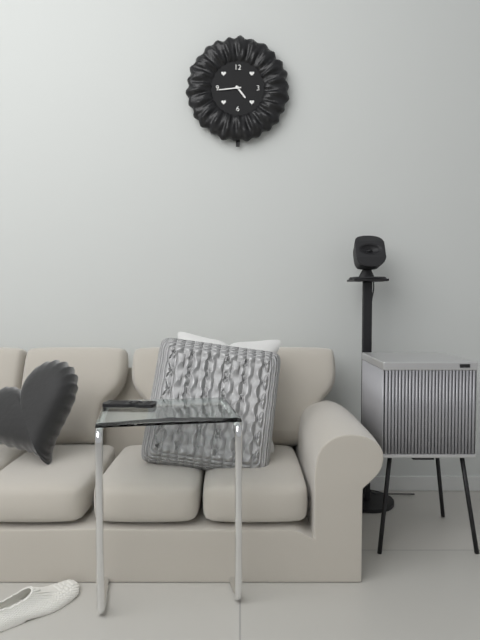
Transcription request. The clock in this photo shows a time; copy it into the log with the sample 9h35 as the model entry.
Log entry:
4h44
